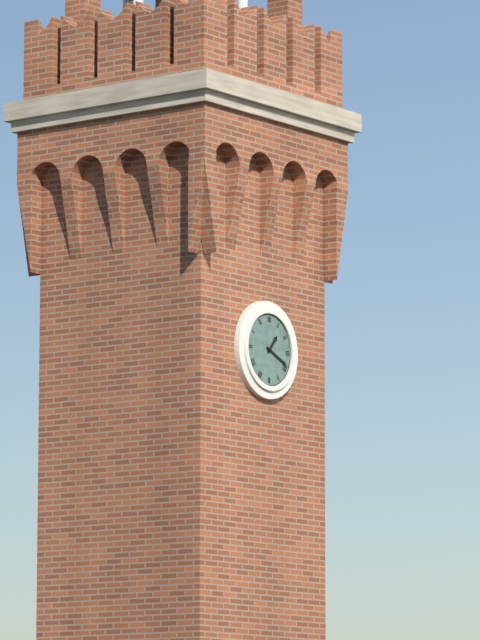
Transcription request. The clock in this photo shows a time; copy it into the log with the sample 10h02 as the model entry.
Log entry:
1h19
